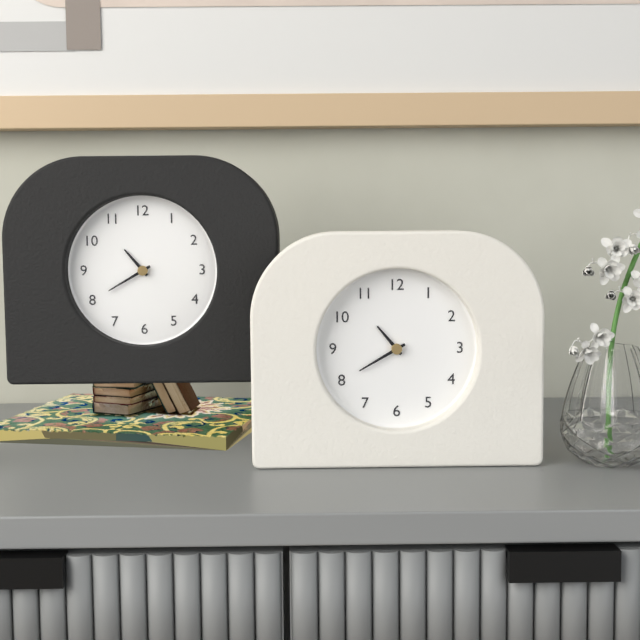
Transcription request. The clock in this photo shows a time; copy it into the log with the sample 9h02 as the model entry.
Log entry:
10h40
